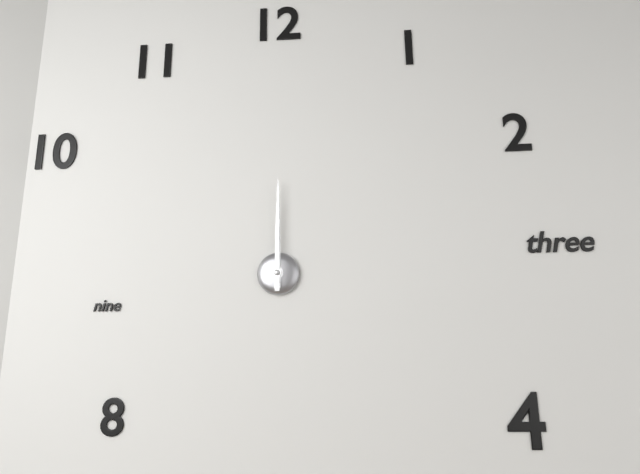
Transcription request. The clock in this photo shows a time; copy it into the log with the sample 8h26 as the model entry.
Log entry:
12h00
